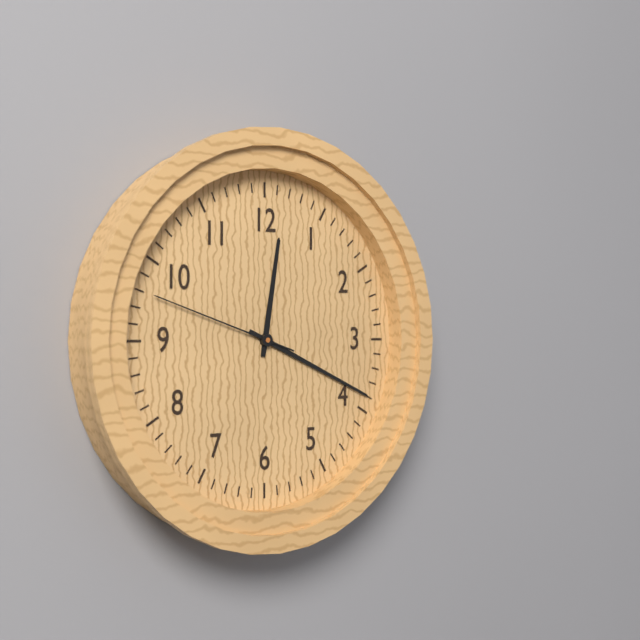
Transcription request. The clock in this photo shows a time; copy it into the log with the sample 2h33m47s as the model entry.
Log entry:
12h19m48s
